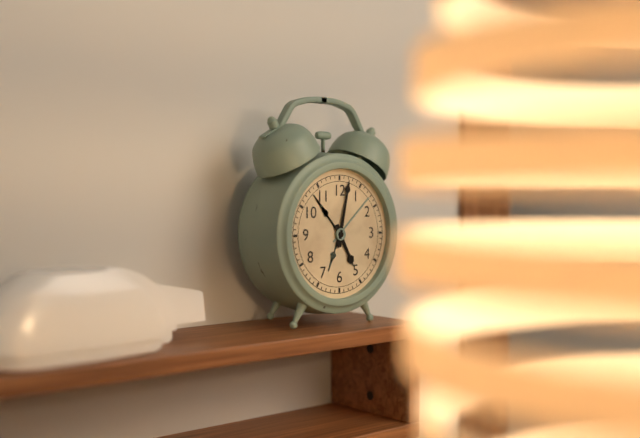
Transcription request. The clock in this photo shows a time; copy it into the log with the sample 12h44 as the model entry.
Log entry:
5h02
